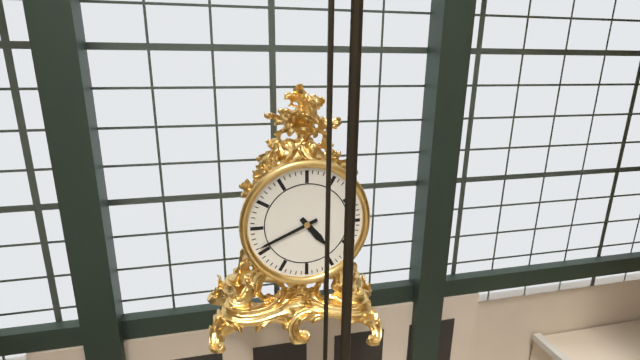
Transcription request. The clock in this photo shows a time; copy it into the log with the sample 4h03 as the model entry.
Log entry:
4h41
